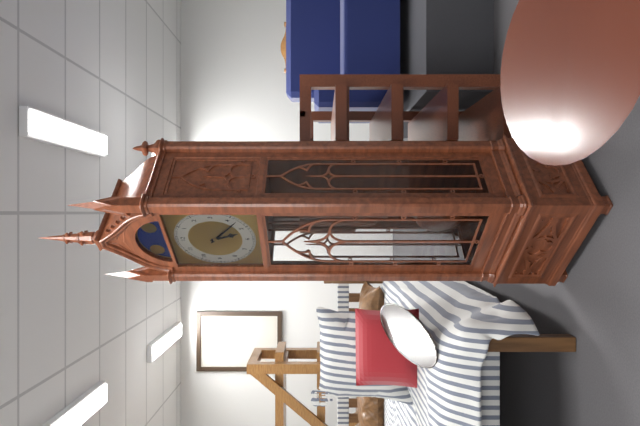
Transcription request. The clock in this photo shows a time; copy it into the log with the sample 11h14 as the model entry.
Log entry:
5h22
